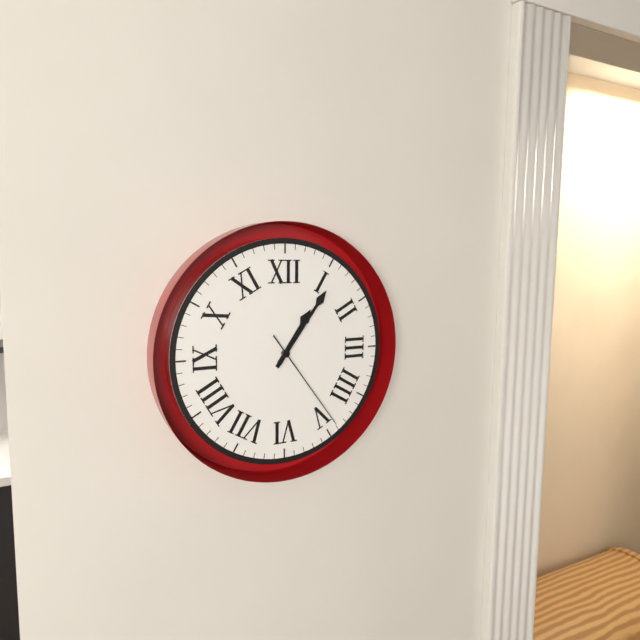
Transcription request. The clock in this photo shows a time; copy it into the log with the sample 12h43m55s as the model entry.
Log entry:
1h06m24s
